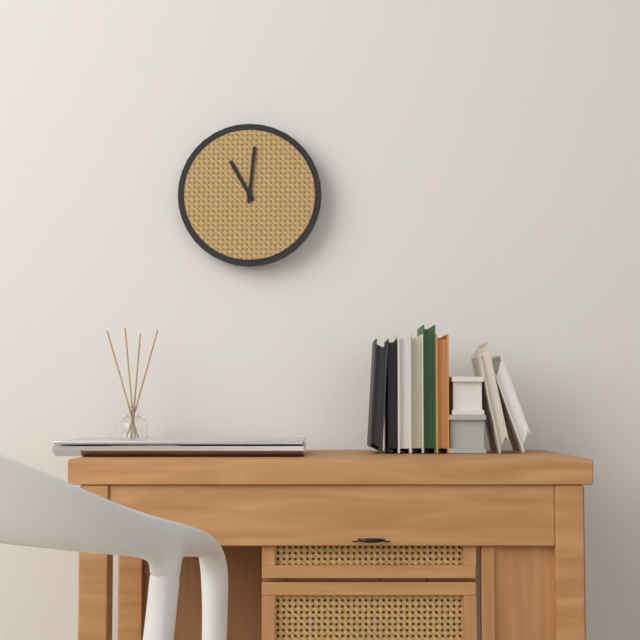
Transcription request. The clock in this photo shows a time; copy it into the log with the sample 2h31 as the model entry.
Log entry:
11h01
